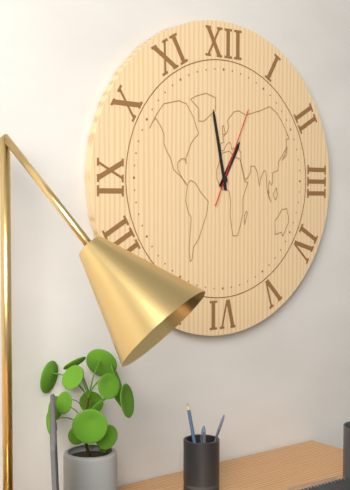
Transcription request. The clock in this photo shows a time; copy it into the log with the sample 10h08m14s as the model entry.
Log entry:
12h58m04s
